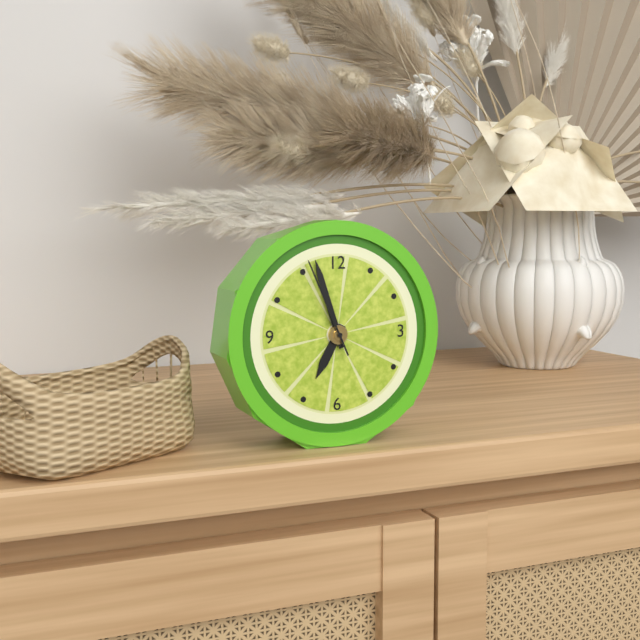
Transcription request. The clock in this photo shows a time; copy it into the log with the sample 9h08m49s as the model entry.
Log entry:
6h57m56s
